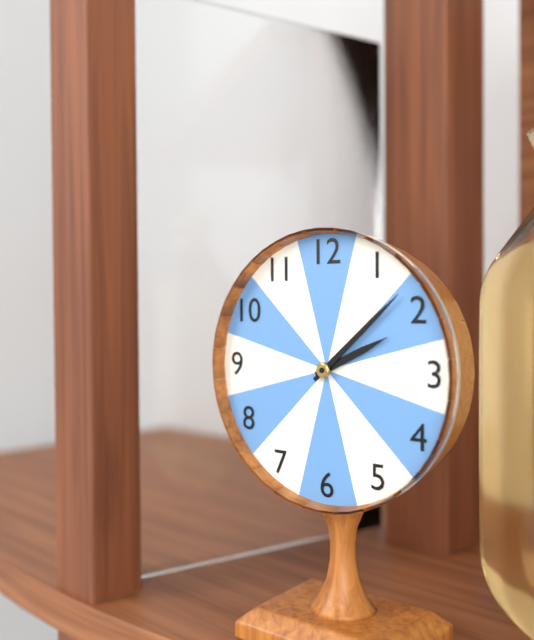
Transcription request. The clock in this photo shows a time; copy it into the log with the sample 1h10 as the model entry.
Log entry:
2h08
